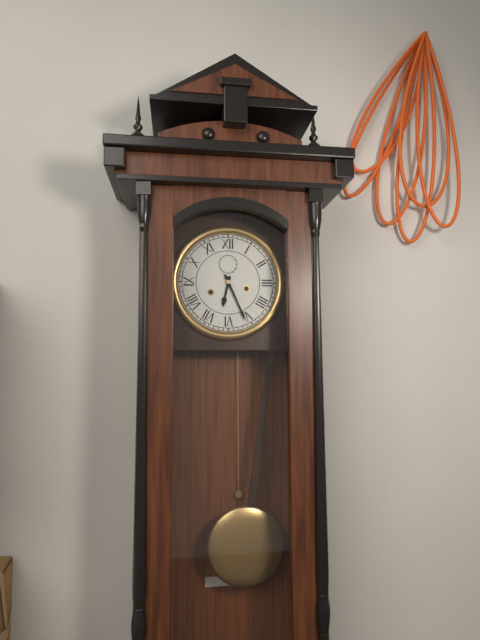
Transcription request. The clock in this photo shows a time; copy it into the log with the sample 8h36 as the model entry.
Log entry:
6h26
